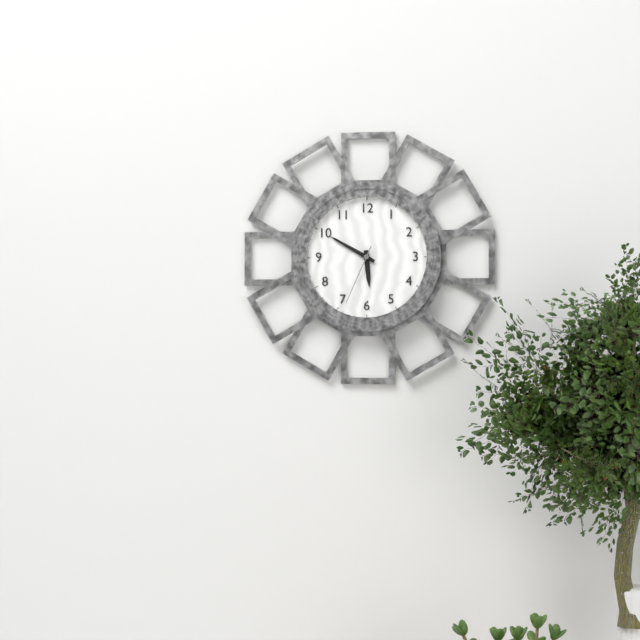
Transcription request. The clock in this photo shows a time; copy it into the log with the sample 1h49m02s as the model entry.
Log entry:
5h50m34s
